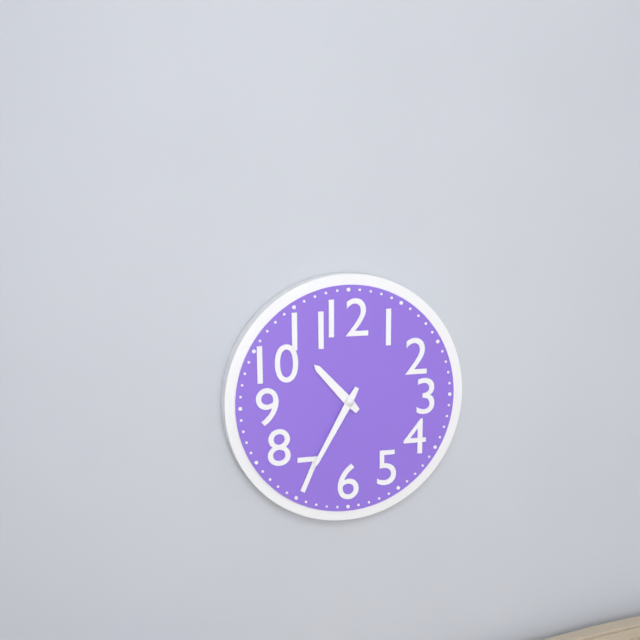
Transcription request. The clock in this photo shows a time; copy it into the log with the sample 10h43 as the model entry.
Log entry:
10h35
